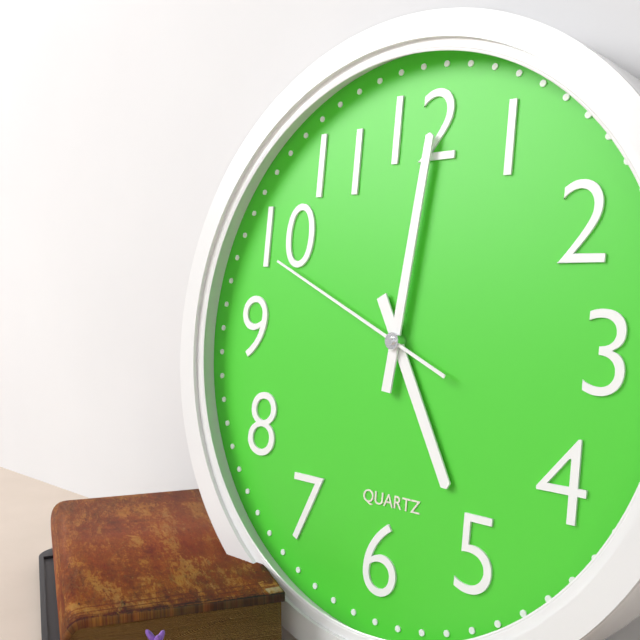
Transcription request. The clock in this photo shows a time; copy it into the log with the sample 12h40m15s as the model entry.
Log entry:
5h01m49s
